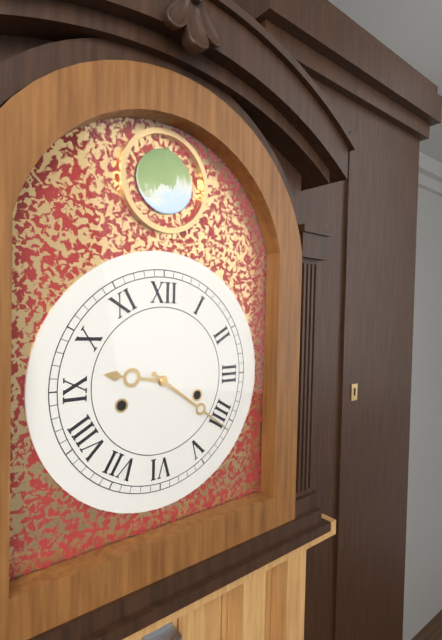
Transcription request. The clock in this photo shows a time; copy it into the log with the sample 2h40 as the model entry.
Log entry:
9h21
